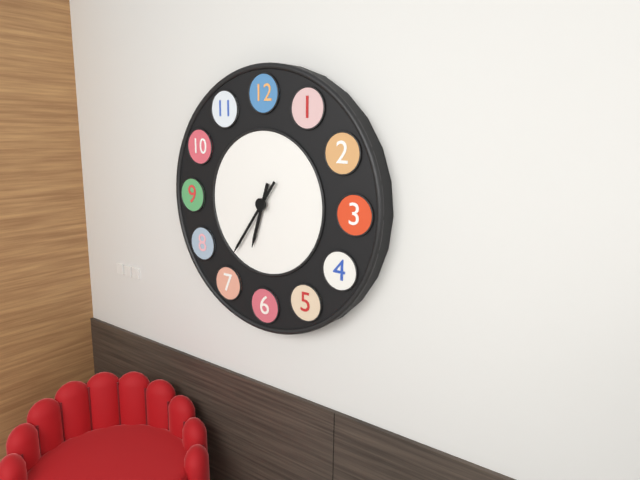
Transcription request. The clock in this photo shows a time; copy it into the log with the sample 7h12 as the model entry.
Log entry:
6h36
